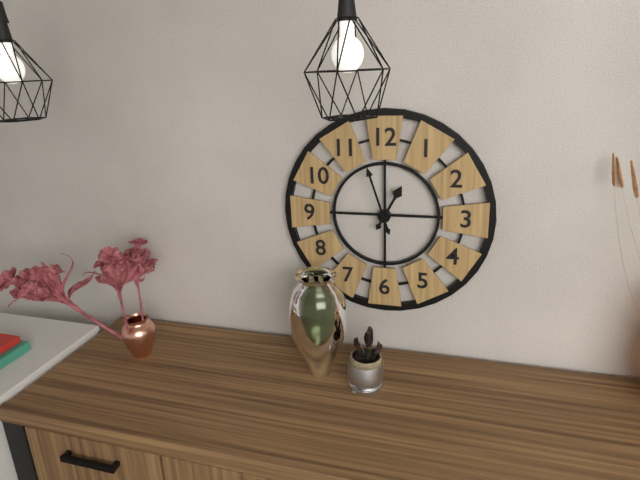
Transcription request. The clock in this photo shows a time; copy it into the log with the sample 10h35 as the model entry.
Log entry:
12h57
